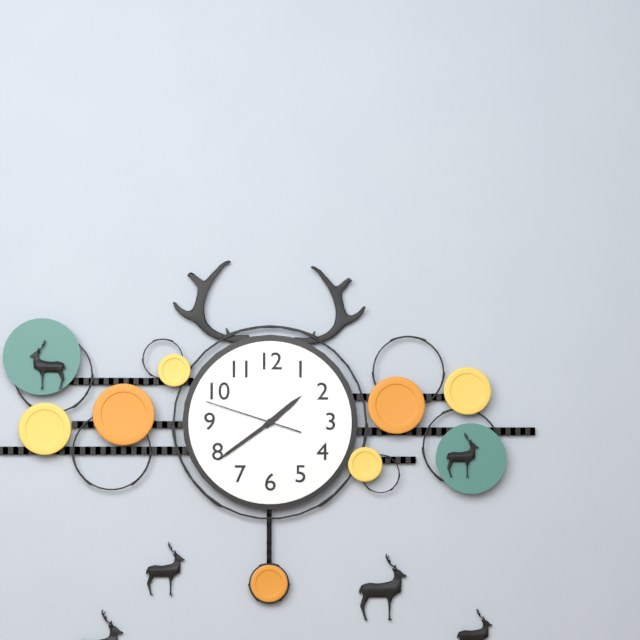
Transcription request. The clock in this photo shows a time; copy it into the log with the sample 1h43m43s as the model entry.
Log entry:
1h39m48s
